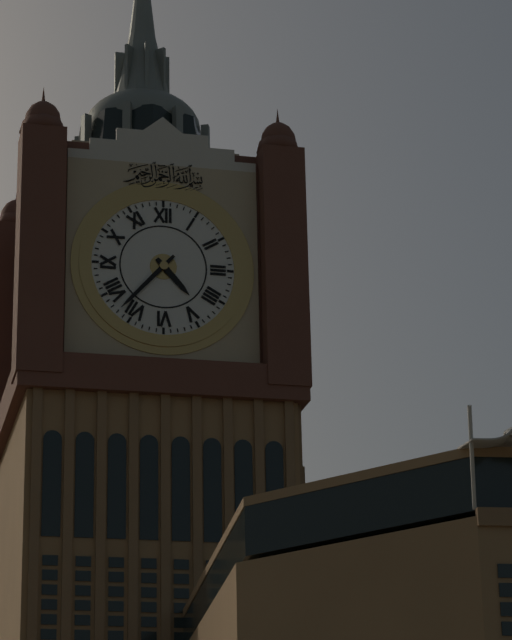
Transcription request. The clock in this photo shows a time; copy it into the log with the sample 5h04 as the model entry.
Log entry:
4h37
